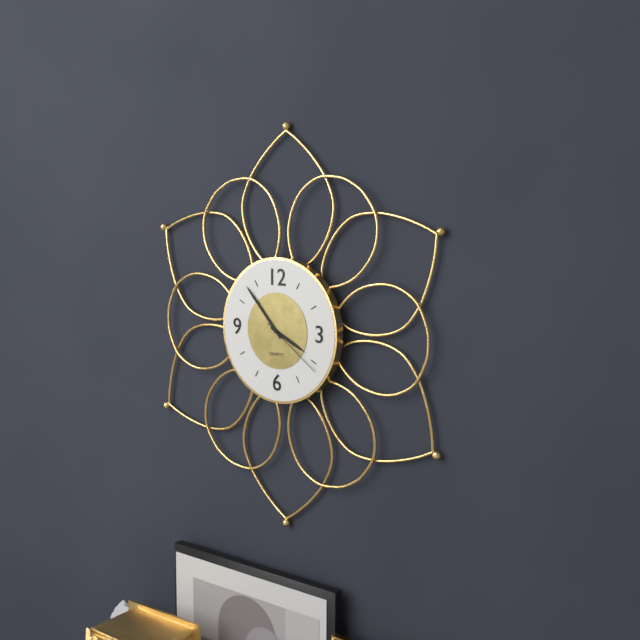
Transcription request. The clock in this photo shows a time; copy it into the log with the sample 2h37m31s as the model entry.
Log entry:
3h53m21s
